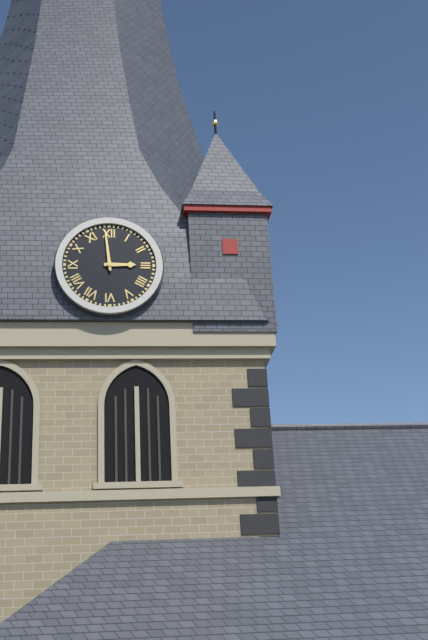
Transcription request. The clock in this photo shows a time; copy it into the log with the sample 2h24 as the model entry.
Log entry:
2h59
